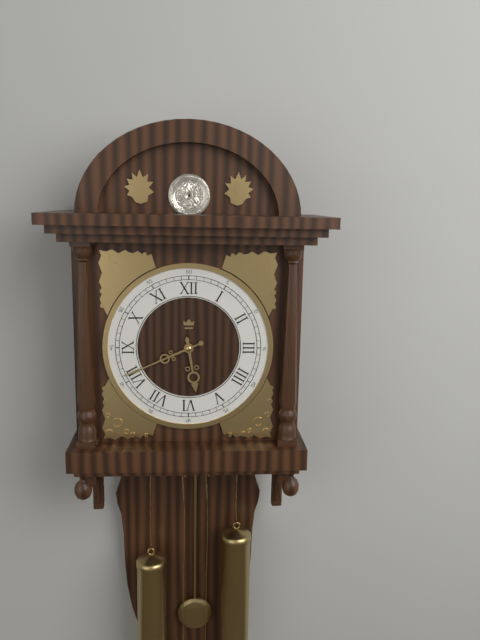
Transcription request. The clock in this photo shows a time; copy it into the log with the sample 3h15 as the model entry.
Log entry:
5h41
